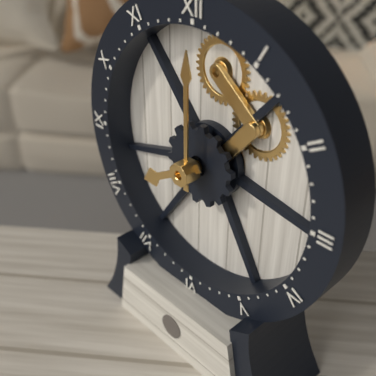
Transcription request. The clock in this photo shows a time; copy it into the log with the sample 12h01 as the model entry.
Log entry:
8h00
